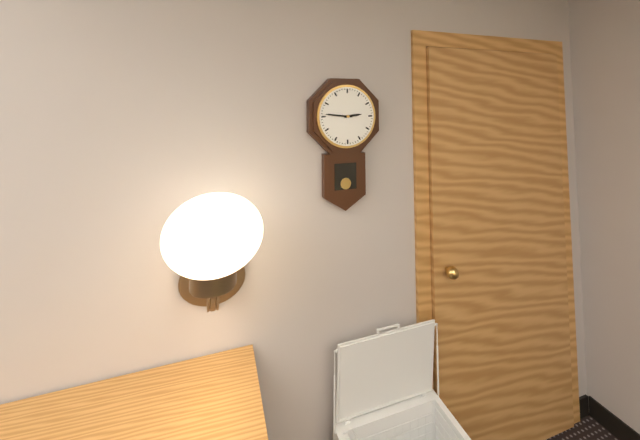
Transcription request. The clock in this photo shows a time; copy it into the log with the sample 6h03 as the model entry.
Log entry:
2h46
